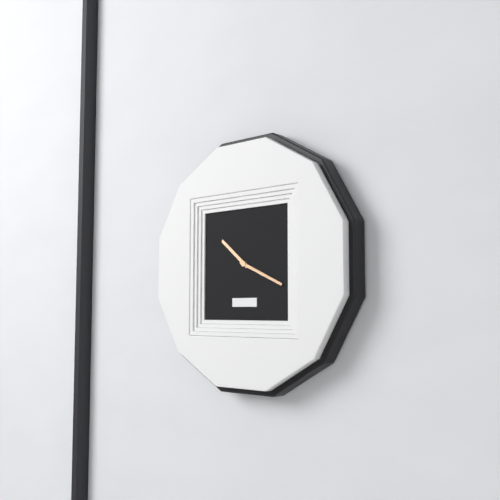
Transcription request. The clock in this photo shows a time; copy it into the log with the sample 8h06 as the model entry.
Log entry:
10h19
